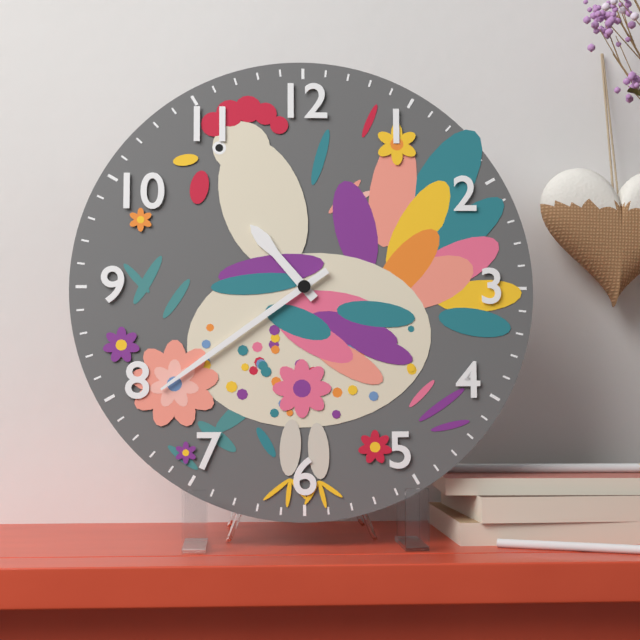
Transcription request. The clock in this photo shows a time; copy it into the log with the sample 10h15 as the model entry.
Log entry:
10h39
